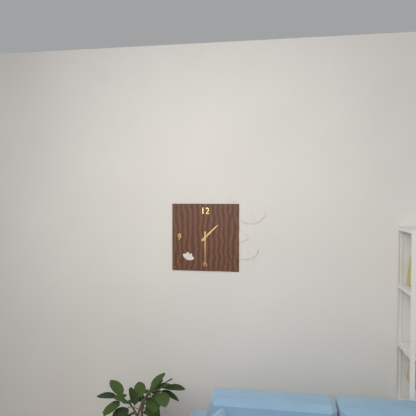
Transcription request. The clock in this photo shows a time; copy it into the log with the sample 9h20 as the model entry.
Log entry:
1h30
